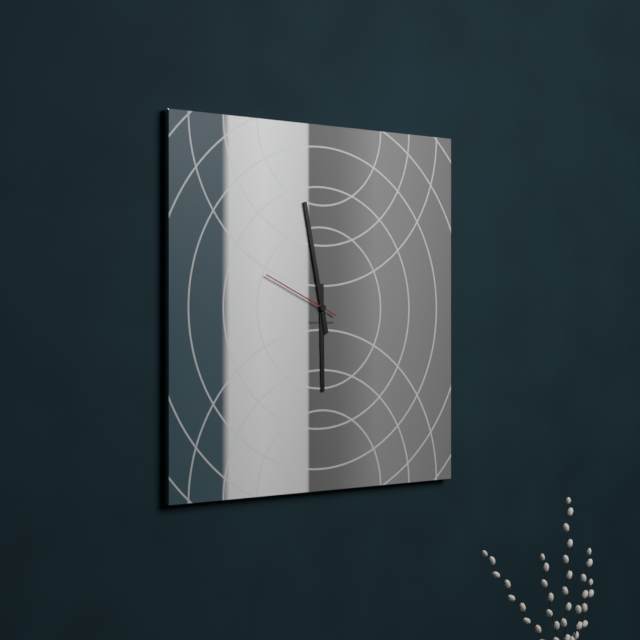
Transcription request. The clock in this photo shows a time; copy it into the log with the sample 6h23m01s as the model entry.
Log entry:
5h58m49s
